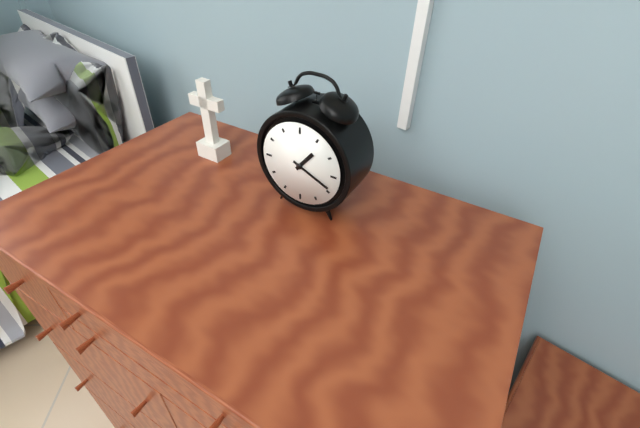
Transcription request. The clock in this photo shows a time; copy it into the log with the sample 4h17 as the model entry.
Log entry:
1h19
